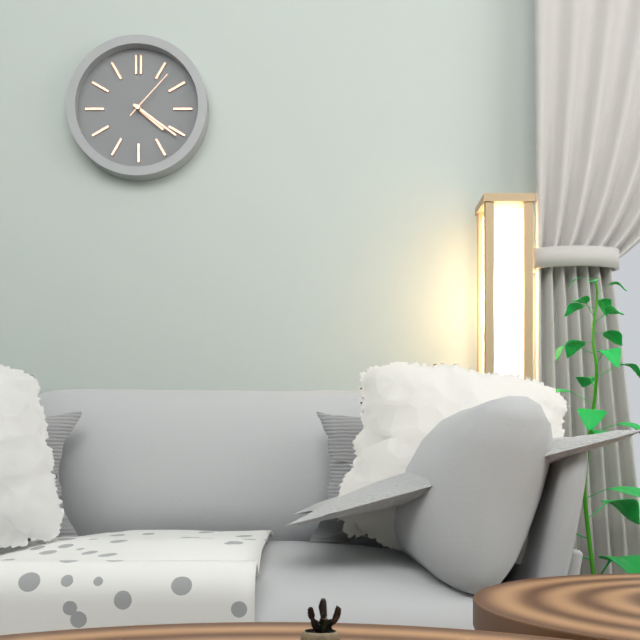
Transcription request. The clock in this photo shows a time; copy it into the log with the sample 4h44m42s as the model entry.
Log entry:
4h21m07s
